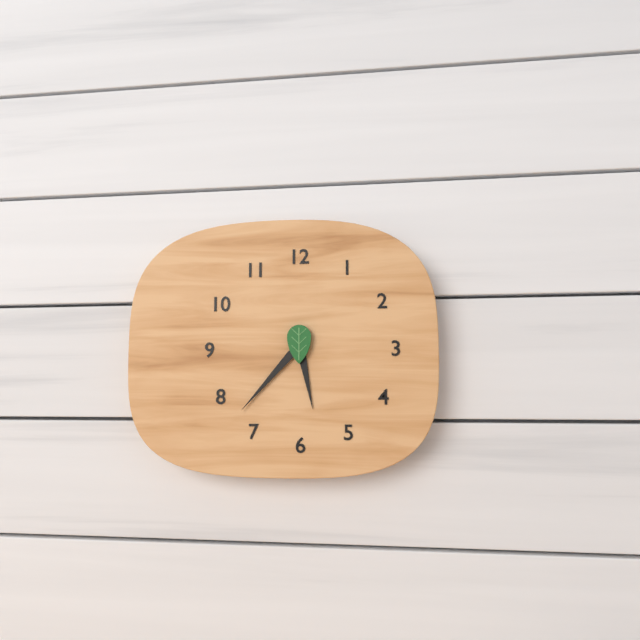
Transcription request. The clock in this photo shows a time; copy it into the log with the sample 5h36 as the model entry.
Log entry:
5h37
